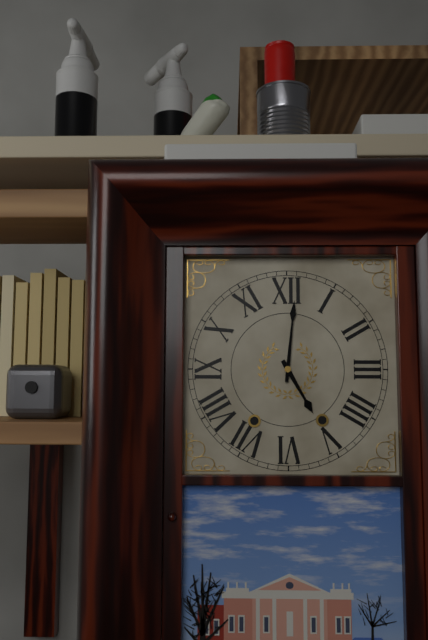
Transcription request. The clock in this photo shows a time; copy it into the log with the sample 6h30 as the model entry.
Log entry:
5h01
